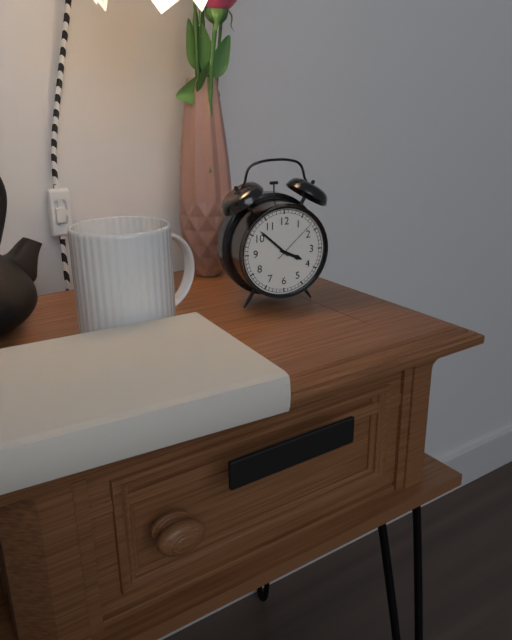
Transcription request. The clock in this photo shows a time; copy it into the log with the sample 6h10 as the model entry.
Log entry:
3h52
